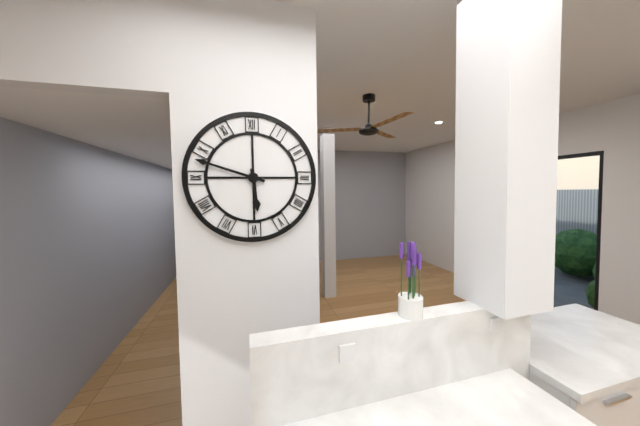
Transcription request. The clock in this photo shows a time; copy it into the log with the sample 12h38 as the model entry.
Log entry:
5h48
